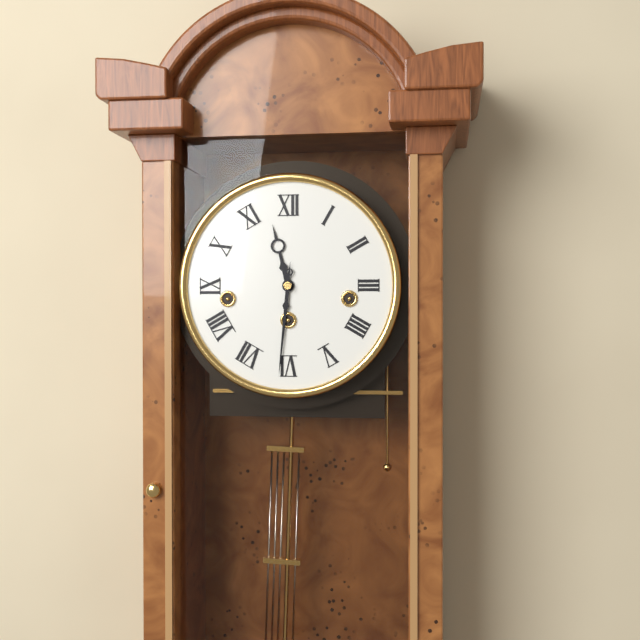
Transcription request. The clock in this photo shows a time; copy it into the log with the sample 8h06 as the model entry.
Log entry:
11h31
